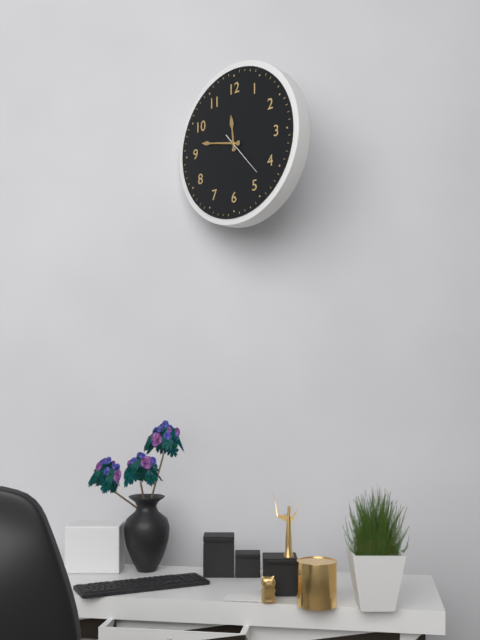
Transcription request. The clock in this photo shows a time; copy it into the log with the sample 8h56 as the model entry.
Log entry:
11h47
